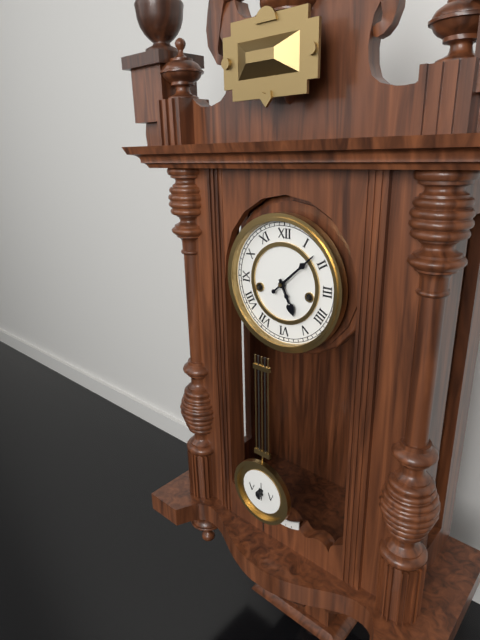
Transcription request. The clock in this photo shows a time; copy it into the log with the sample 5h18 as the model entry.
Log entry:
5h08
